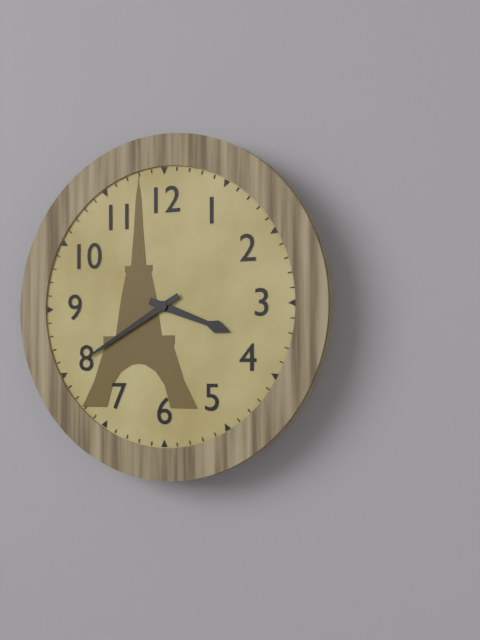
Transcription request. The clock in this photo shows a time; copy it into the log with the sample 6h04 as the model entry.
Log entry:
3h40
